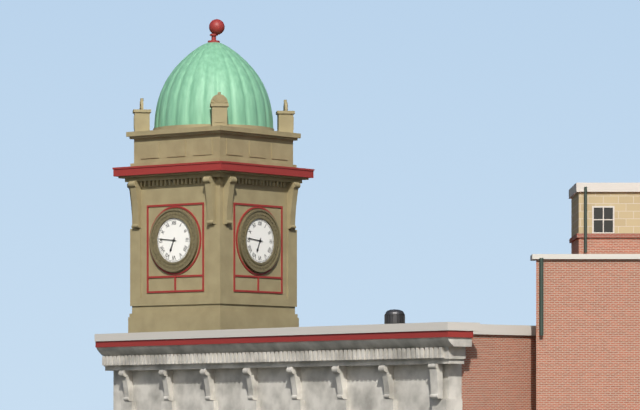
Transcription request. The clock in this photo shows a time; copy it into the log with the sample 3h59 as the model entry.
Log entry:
6h46
